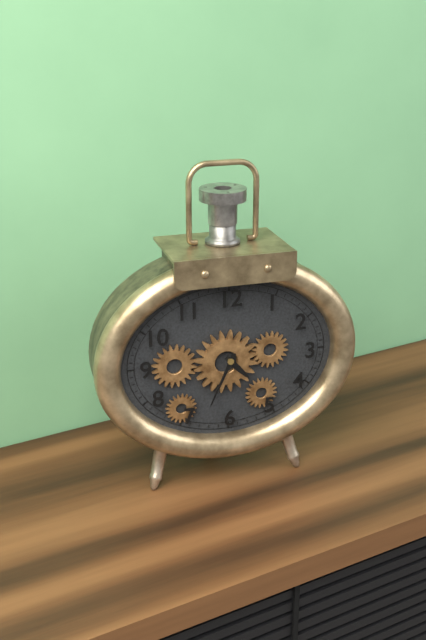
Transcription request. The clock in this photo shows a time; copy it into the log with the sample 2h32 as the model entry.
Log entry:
4h34
